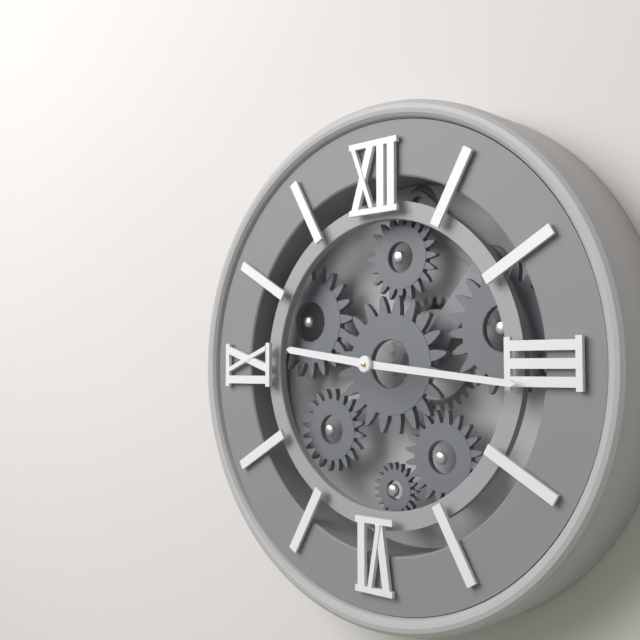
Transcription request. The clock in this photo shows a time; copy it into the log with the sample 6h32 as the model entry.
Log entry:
9h16
